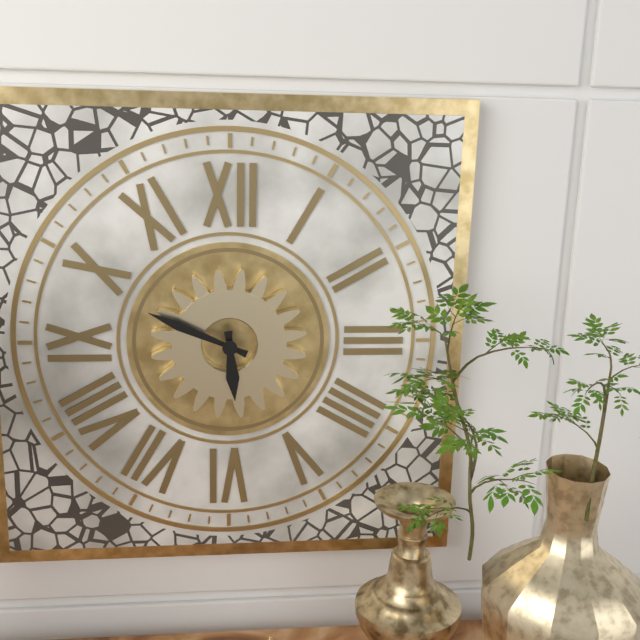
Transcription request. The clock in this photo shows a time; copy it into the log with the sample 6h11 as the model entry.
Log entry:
5h49
